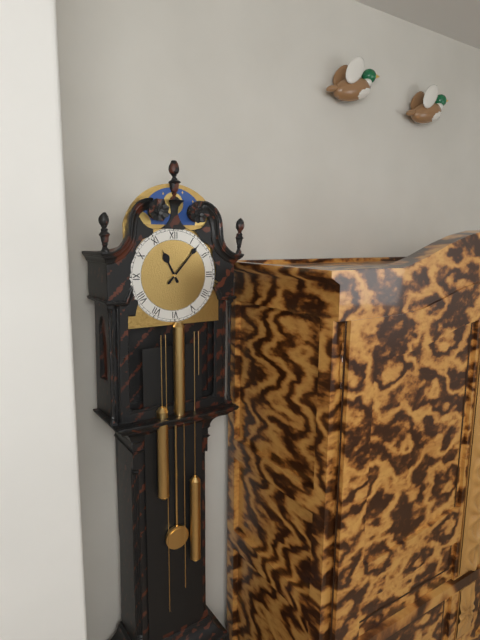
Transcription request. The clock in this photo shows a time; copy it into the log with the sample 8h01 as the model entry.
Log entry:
11h07
